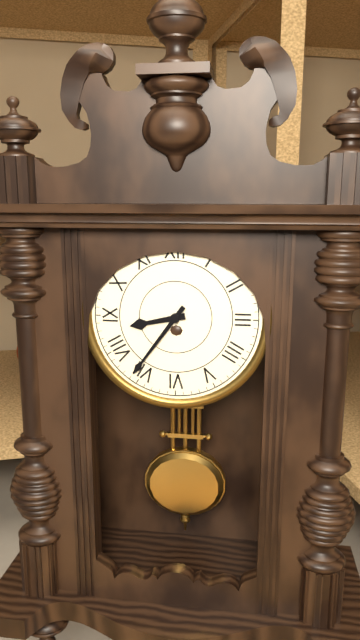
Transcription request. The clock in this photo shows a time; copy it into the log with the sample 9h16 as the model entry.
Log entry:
8h36
